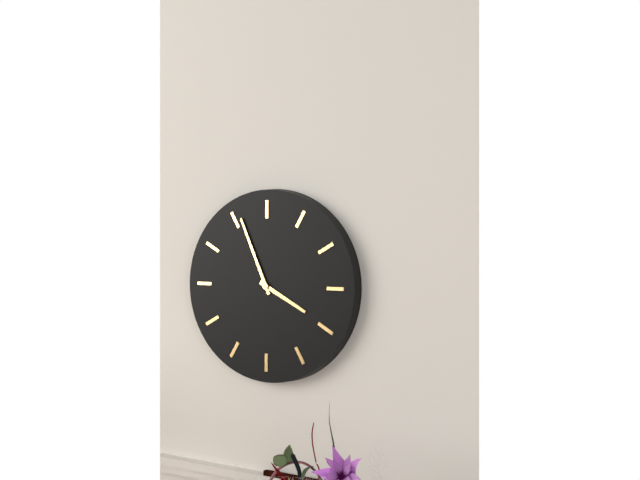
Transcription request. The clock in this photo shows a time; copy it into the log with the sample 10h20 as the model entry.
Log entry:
3h56
